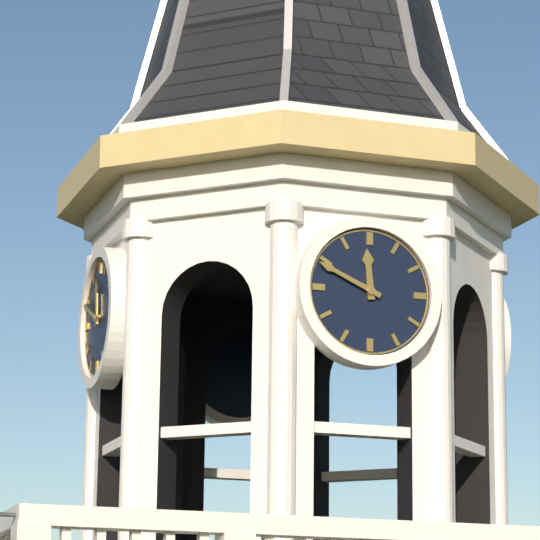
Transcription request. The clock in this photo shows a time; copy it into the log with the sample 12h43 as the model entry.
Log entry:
11h49
